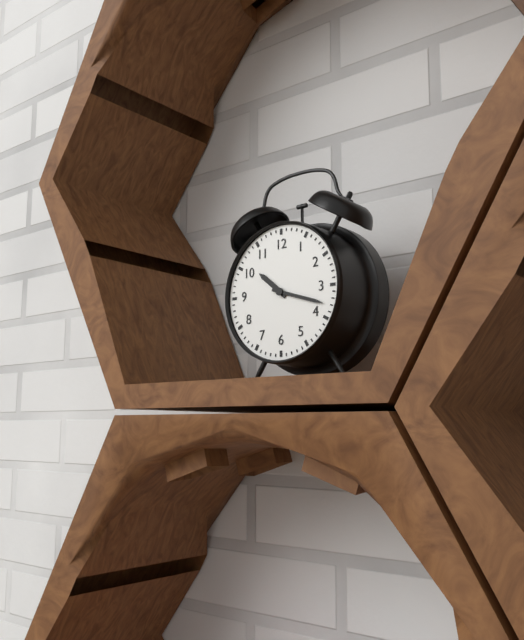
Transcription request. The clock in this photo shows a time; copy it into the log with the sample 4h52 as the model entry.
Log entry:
10h18
